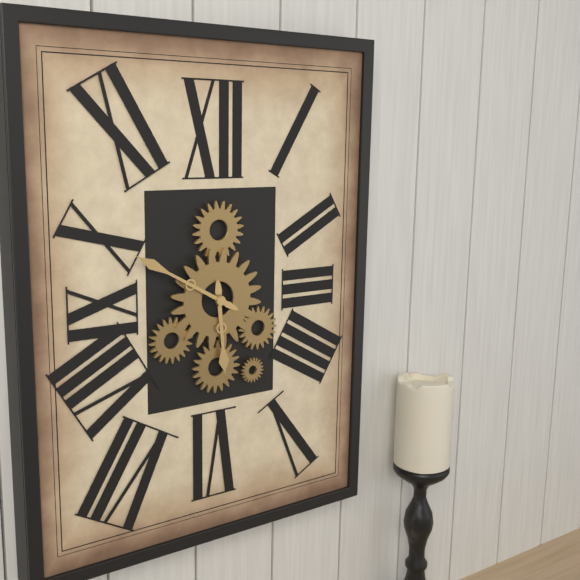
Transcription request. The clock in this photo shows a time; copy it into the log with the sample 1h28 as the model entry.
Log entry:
5h50
